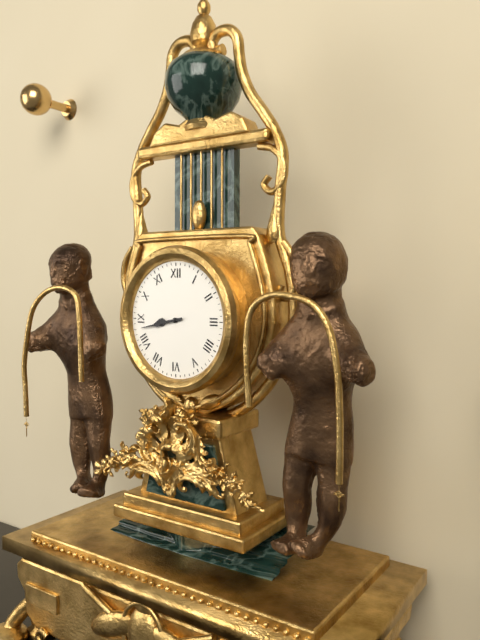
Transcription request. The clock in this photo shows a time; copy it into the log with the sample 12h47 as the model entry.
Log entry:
8h43
